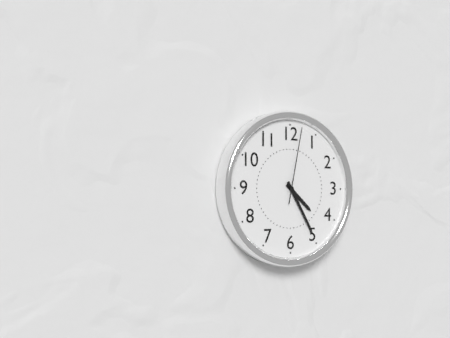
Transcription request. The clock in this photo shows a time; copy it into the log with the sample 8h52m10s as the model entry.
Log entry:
4h25m02s
